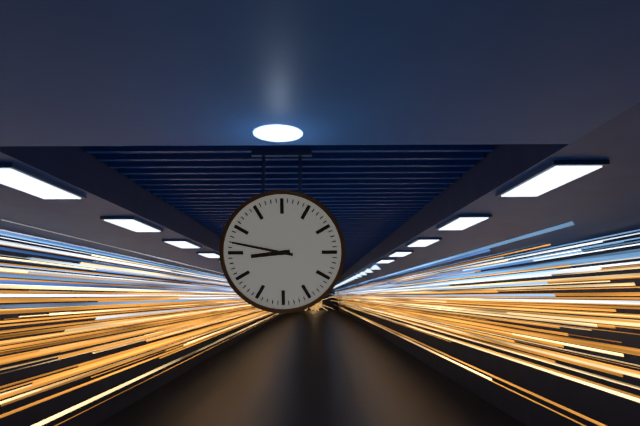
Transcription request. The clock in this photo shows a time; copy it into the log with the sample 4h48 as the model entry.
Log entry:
8h47
